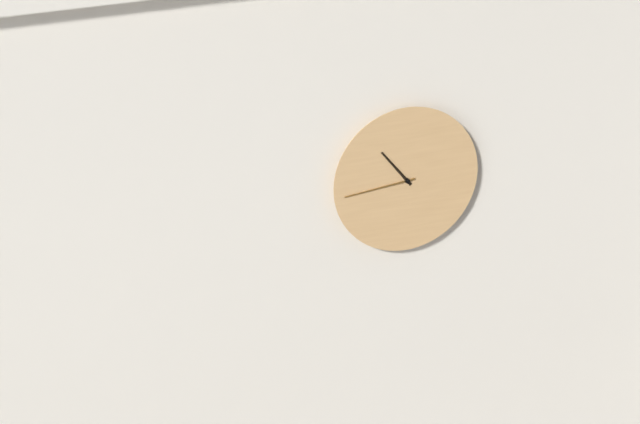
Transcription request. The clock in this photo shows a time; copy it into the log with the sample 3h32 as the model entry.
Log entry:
10h44
